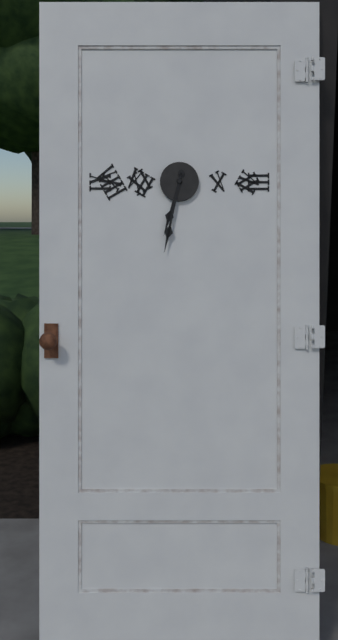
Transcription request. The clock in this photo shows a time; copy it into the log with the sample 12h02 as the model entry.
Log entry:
6h32
